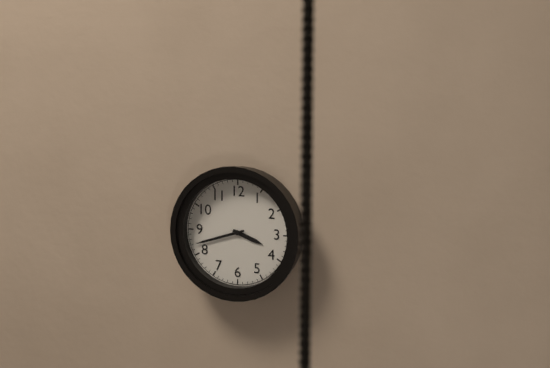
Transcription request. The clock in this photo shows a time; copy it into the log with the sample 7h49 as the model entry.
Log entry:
3h42
